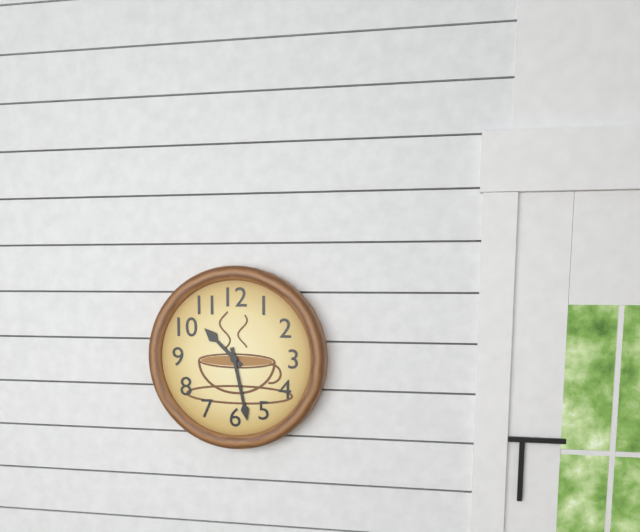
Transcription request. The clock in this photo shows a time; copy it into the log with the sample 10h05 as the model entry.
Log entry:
10h28
